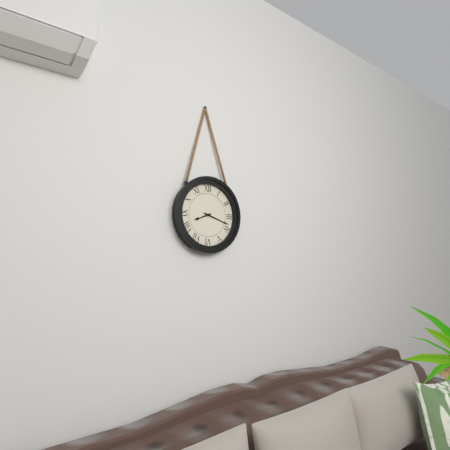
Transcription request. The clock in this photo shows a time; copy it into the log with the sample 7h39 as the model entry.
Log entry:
8h18
